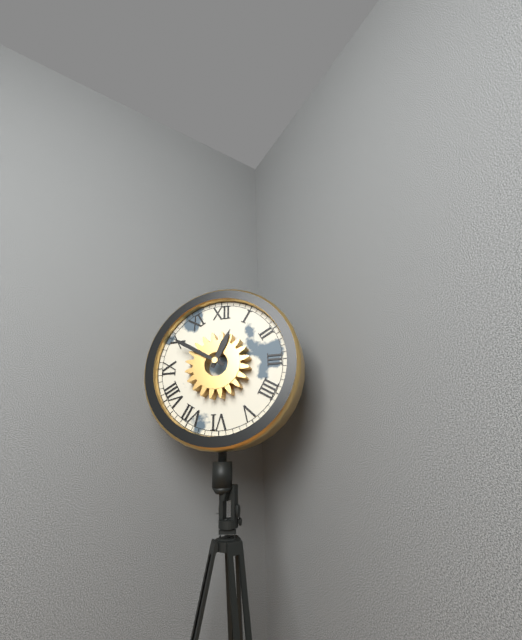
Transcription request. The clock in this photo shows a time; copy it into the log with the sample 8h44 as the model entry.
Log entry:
12h50
